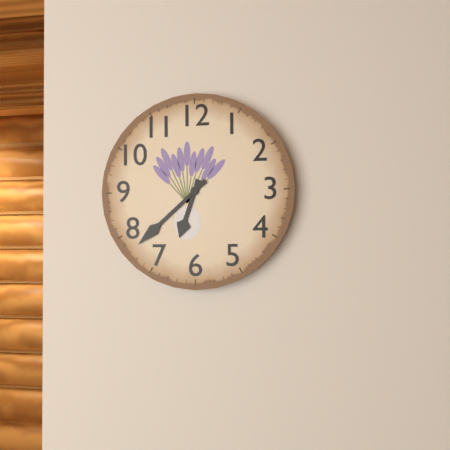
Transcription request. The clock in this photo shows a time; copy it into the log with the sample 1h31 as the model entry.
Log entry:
6h38
